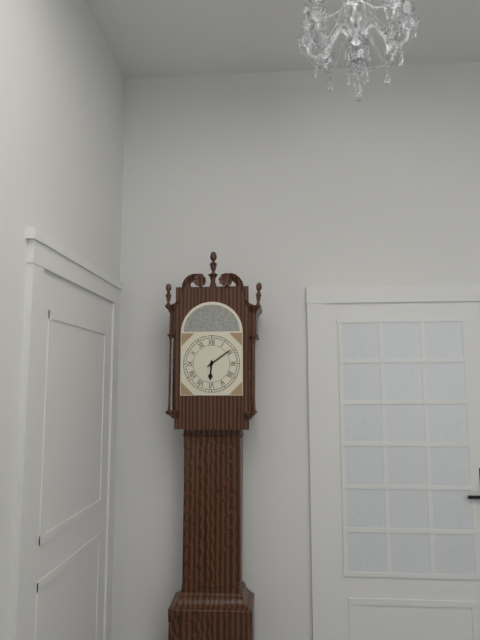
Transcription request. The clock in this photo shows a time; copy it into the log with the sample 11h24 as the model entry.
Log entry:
6h09
